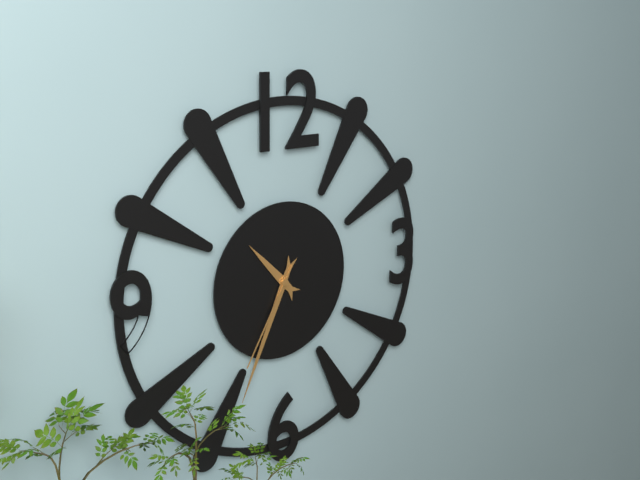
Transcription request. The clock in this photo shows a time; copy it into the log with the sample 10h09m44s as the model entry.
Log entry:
10h34m35s
